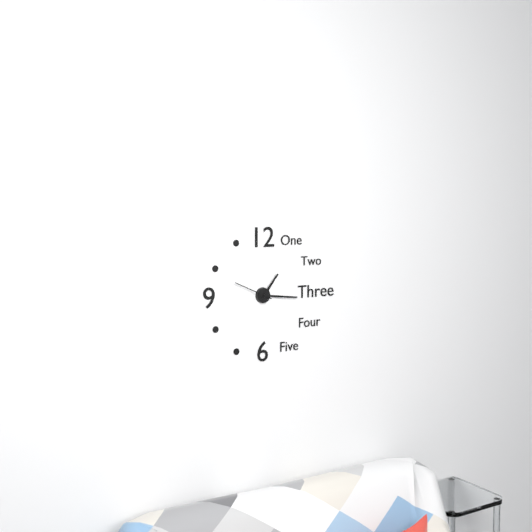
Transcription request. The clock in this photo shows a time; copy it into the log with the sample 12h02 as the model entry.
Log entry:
1h16
